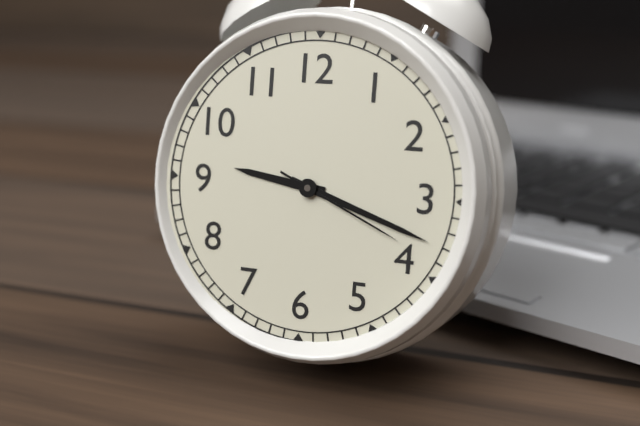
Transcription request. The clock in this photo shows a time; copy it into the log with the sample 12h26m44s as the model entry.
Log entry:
9h18m19s
